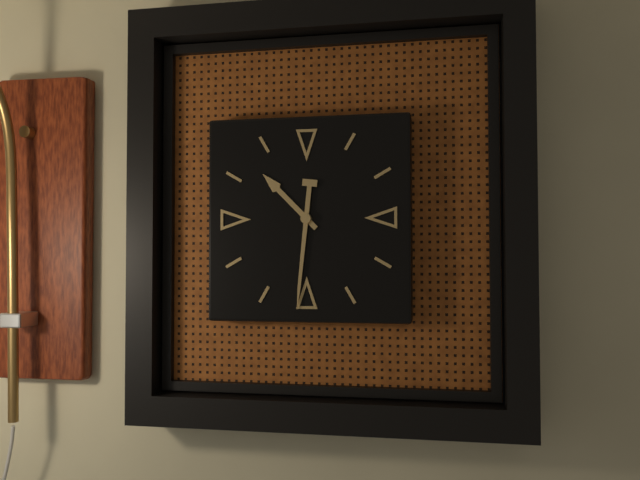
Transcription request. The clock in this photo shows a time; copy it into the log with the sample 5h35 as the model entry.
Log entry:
10h31
